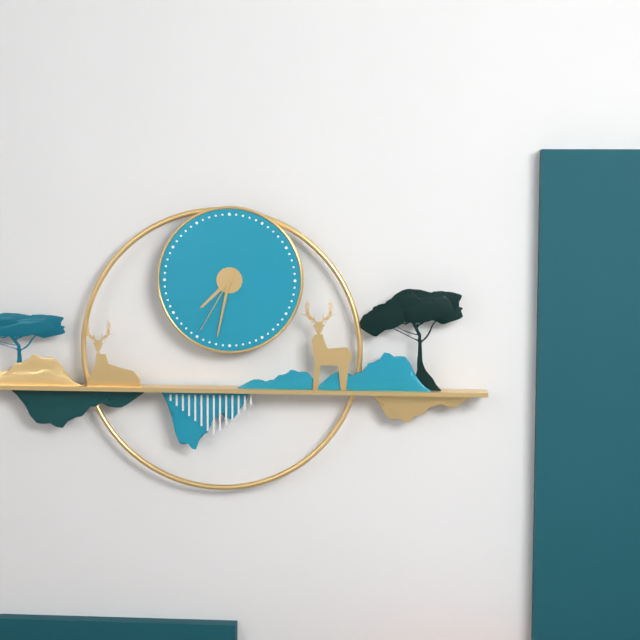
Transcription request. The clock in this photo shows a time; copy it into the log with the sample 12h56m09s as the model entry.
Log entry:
7h32m35s
